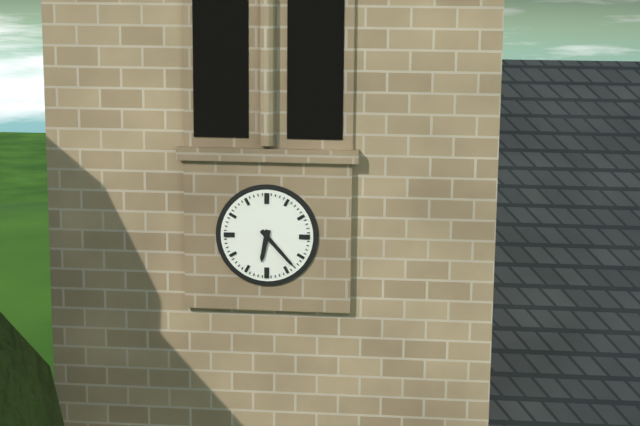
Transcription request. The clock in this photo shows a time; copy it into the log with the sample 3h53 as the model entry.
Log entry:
6h23
